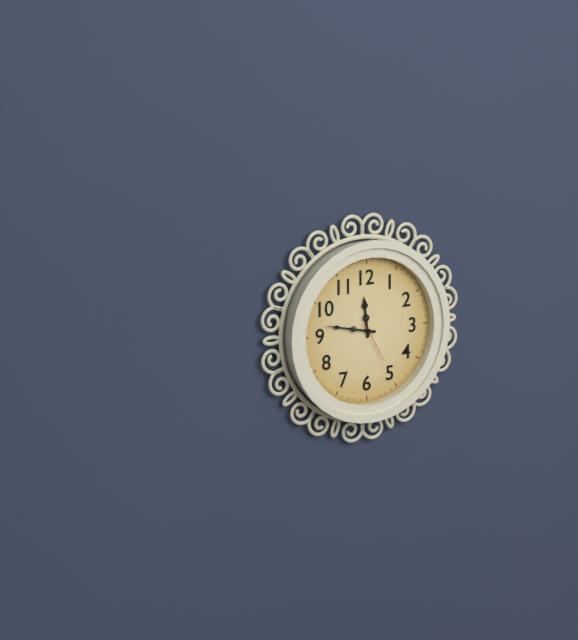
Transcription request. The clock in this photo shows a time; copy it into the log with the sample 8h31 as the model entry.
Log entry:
11h47
